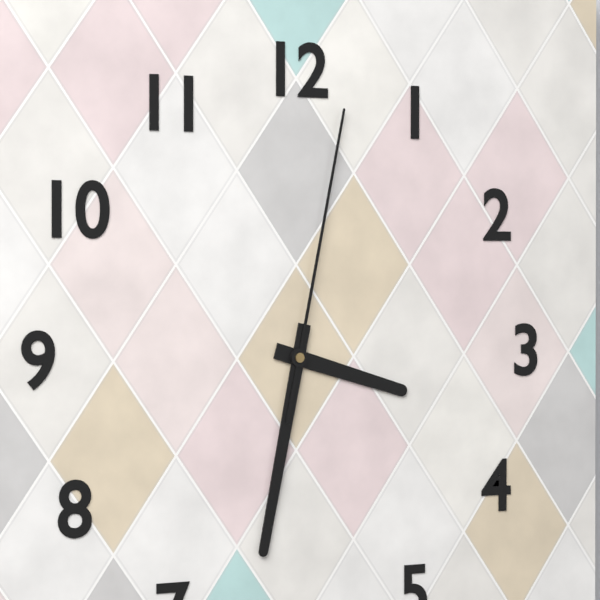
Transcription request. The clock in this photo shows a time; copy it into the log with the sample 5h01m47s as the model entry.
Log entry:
3h32m02s
